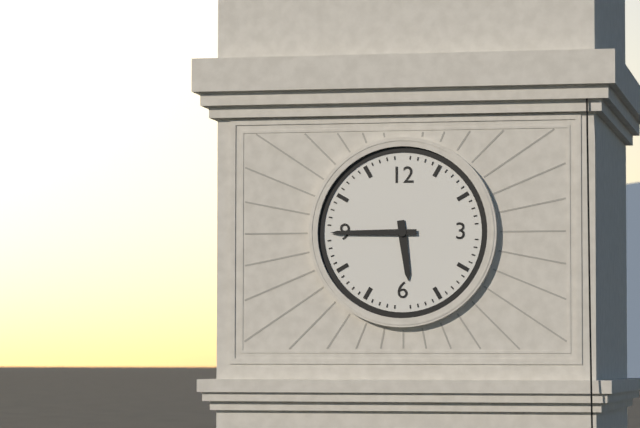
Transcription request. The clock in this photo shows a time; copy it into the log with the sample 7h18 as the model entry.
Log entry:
5h45
